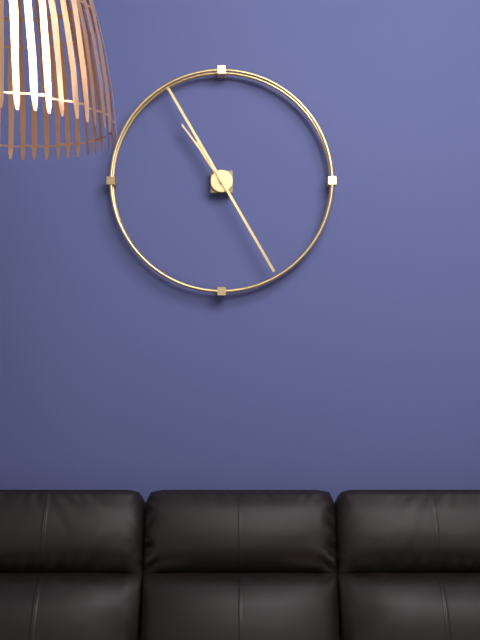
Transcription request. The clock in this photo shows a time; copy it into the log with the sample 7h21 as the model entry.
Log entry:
10h55
